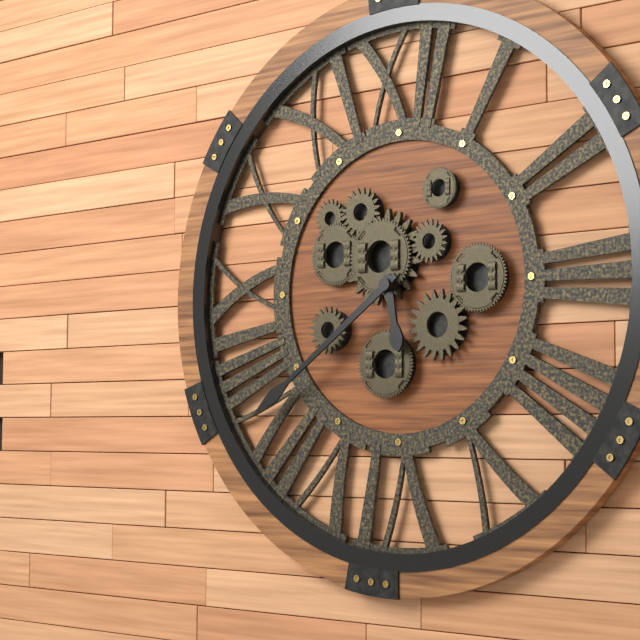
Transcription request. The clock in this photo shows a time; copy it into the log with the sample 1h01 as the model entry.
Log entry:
5h39
